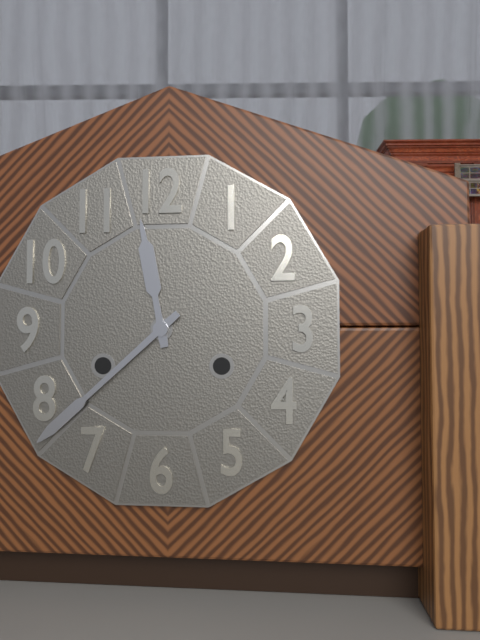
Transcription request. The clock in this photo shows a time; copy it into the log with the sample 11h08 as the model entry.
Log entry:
11h38
